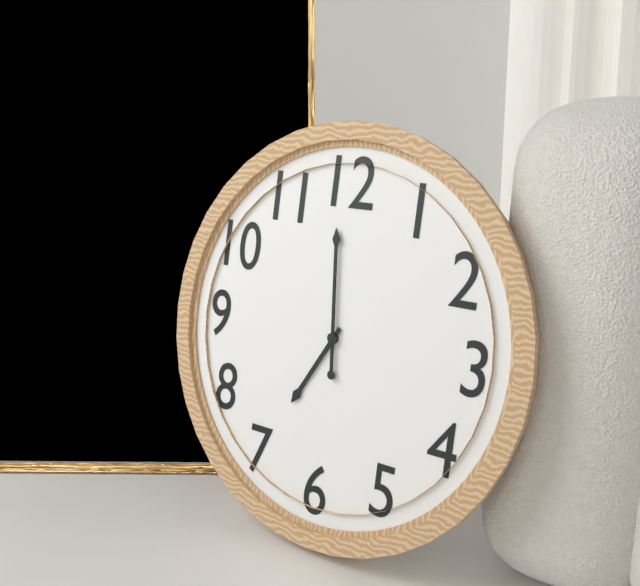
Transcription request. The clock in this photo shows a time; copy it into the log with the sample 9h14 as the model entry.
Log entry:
6h59
